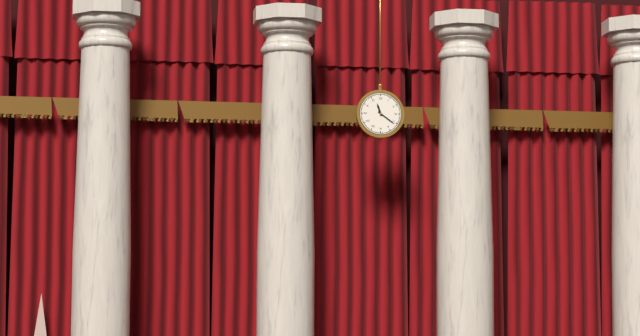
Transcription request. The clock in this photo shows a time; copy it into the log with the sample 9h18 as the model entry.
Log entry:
11h21
